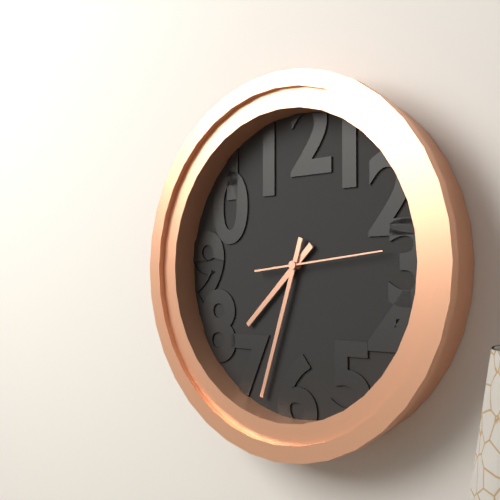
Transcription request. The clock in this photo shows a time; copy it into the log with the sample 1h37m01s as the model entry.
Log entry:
7h33m14s
